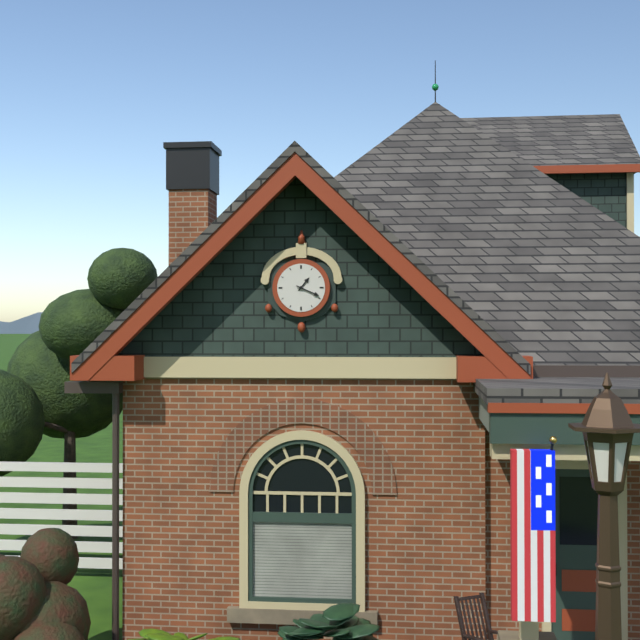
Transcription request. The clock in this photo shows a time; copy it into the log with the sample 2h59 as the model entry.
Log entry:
1h19
